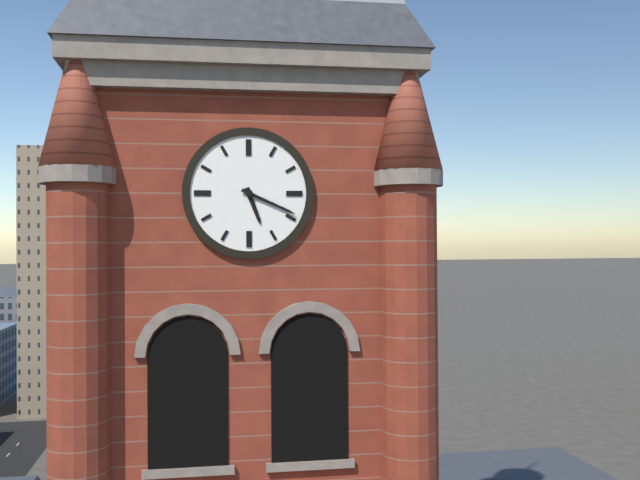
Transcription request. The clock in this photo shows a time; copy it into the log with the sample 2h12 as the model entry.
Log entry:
5h19
